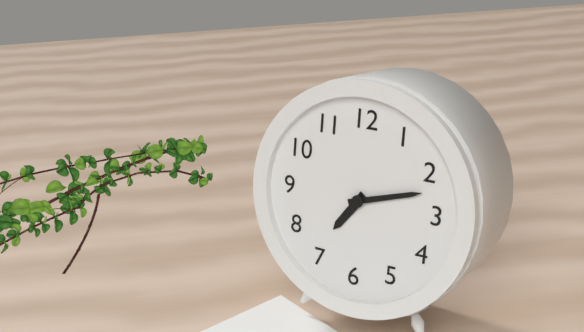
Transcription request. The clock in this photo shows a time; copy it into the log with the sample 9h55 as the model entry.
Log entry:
7h12
